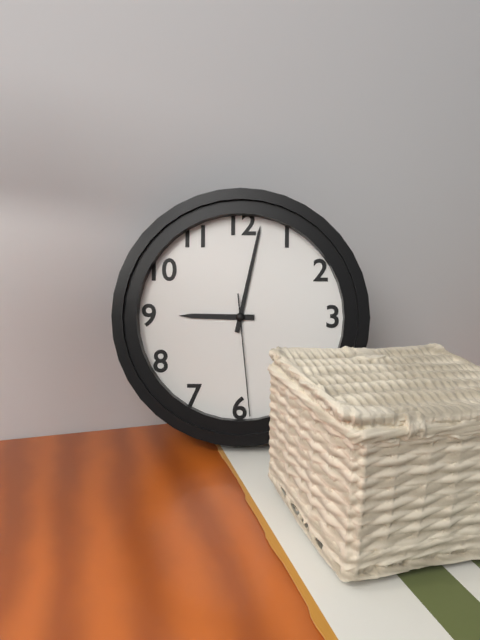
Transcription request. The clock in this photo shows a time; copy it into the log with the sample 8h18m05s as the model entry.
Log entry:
9h02m29s
